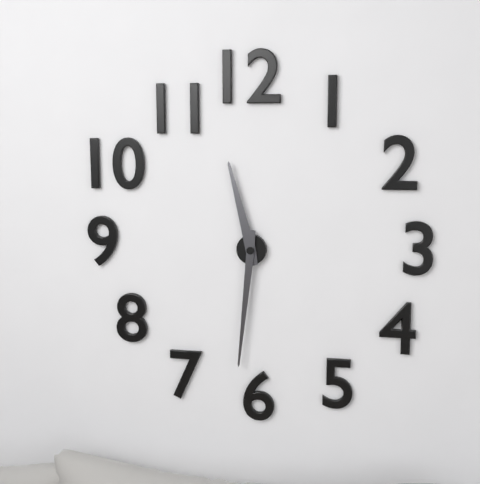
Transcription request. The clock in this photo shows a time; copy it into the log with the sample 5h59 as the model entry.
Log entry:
11h31
